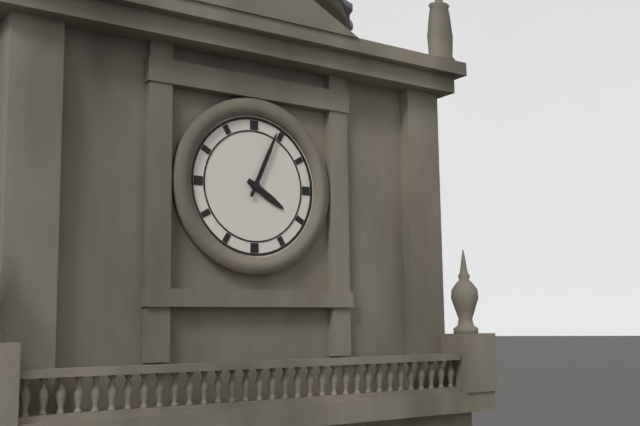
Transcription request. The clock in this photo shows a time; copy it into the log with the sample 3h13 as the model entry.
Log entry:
4h04
